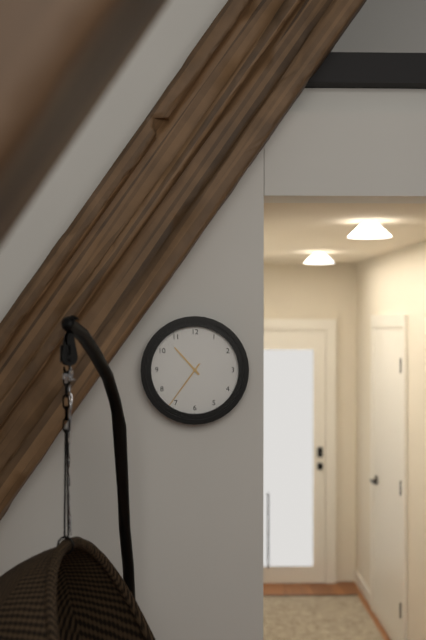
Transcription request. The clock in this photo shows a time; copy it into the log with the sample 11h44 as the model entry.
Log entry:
10h36
